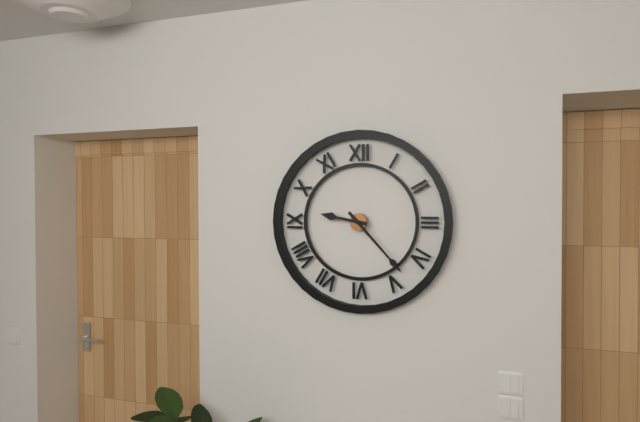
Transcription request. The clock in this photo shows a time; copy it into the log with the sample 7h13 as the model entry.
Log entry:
9h23
